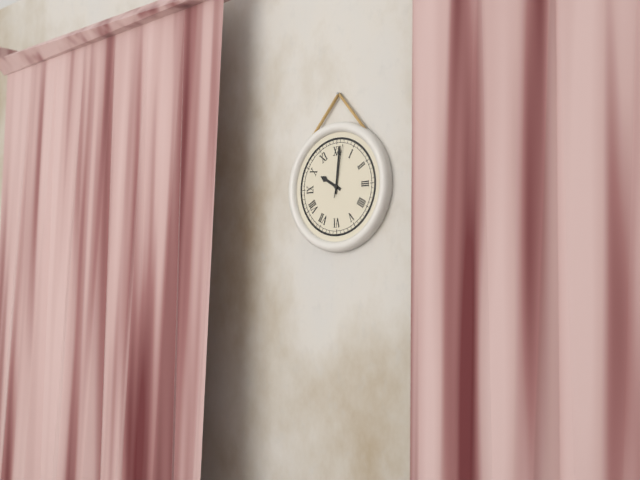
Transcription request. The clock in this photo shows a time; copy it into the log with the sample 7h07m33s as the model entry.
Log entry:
10h01m02s
